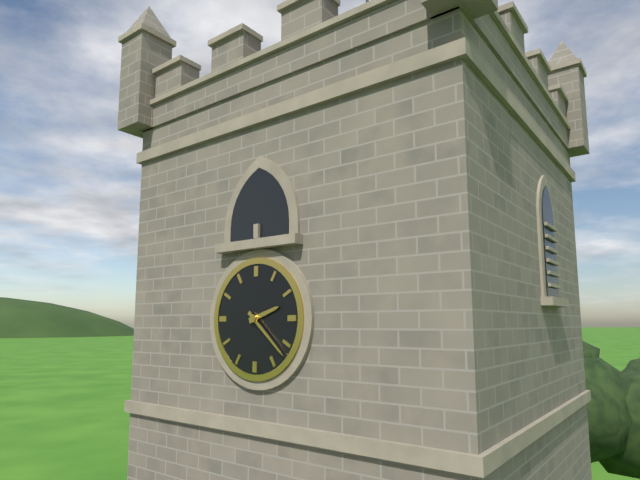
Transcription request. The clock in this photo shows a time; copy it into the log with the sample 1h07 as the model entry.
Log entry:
2h22
